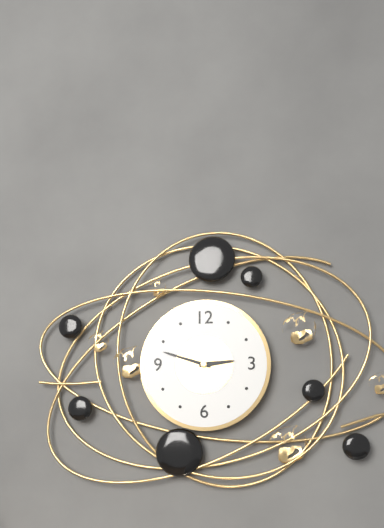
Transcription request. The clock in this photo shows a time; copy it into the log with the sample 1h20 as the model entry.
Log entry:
2h48
